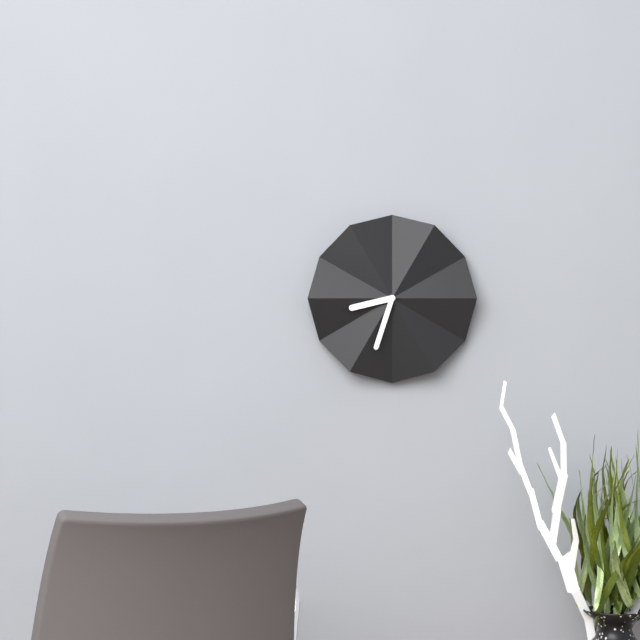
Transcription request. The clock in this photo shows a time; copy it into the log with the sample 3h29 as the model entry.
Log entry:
8h33
